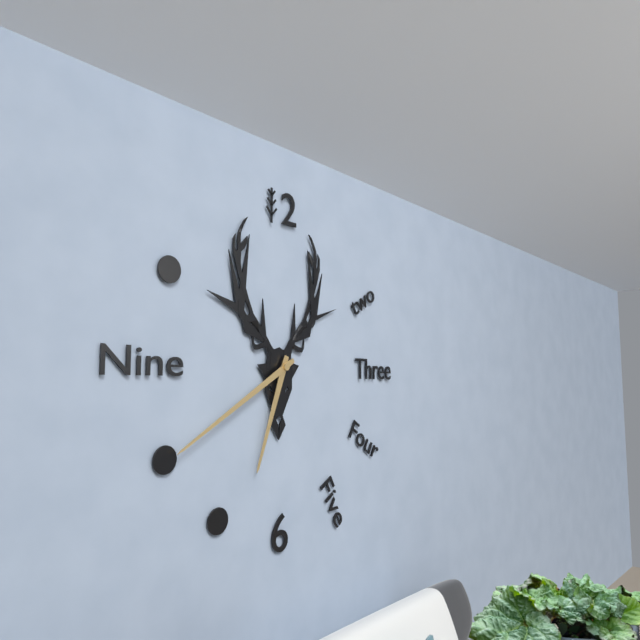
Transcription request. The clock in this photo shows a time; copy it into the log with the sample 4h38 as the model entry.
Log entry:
6h40
